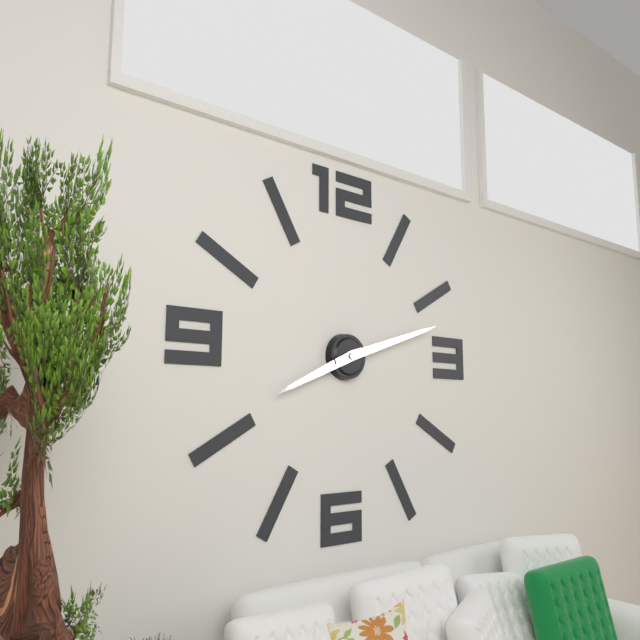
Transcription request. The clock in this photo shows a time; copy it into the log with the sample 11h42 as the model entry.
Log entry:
8h12
